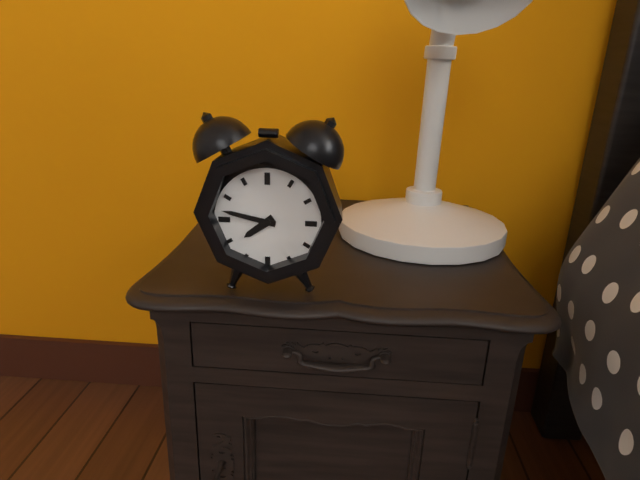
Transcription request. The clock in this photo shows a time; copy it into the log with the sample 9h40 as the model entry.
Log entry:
7h47
